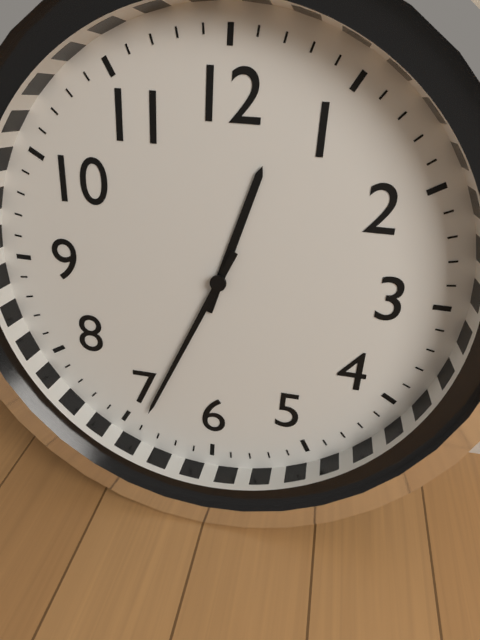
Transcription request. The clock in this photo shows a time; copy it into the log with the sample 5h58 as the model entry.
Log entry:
12h34
